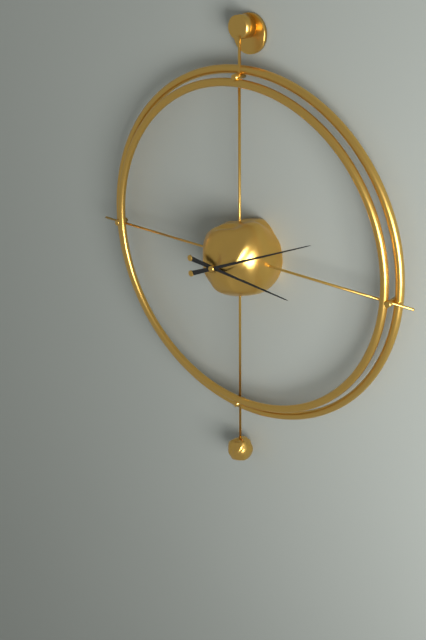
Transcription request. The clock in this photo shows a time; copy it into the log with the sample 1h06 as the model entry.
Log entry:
3h11
